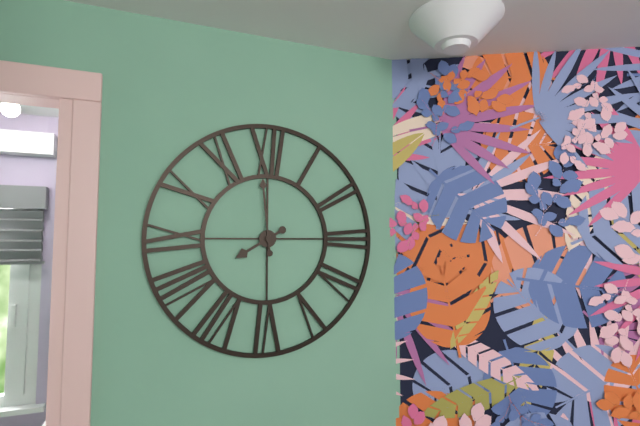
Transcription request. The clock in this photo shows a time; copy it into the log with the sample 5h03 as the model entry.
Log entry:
7h59
